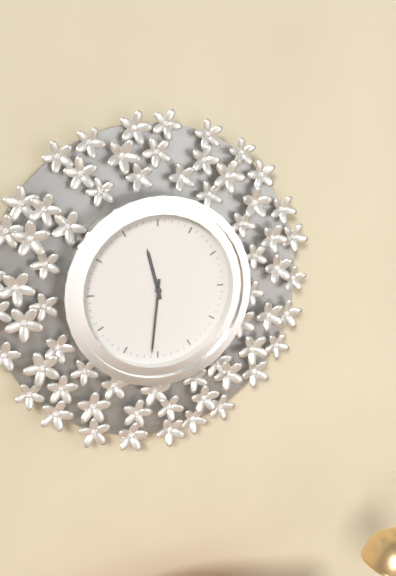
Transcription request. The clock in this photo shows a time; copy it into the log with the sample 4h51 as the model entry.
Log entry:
11h31
